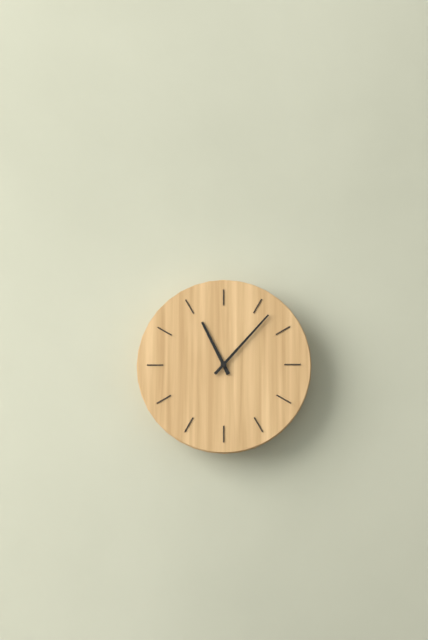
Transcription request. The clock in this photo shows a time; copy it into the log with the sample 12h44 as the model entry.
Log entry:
11h07
